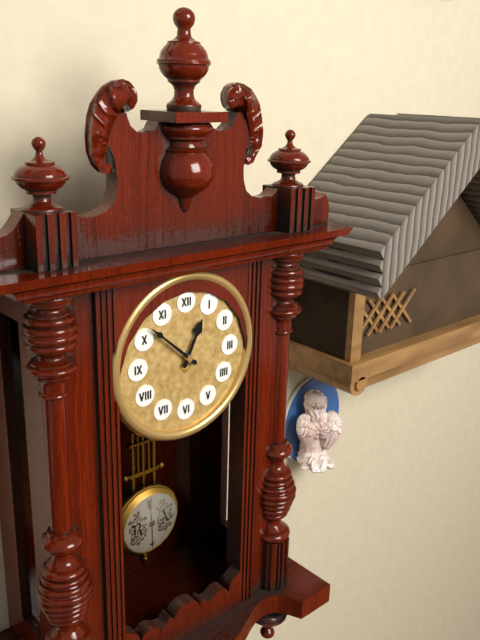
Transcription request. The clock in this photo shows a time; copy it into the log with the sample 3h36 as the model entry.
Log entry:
12h52
